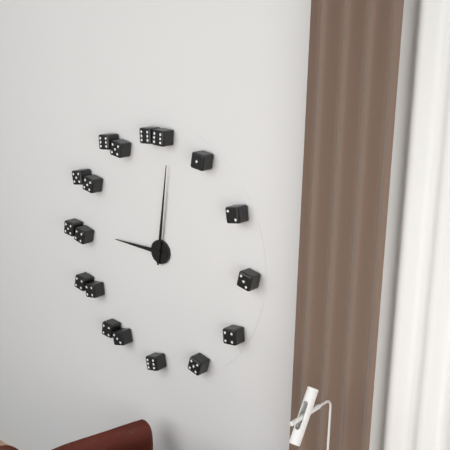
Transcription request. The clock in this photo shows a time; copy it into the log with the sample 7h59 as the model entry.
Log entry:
9h01
